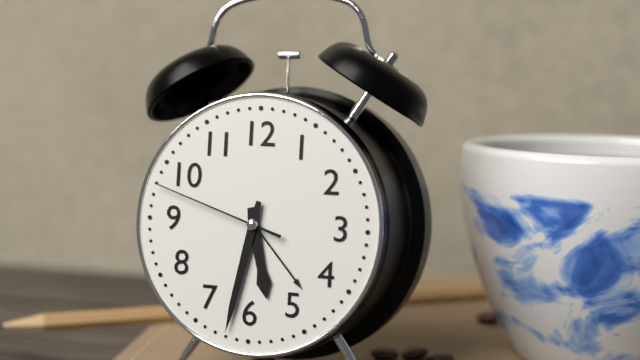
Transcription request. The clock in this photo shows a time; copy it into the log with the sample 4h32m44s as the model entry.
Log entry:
5h32m48s
